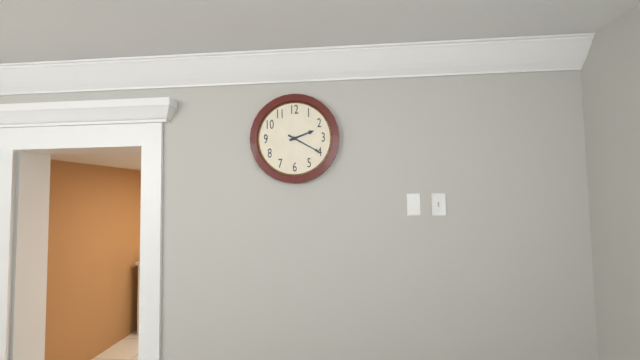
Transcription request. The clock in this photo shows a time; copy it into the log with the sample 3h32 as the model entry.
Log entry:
2h20
